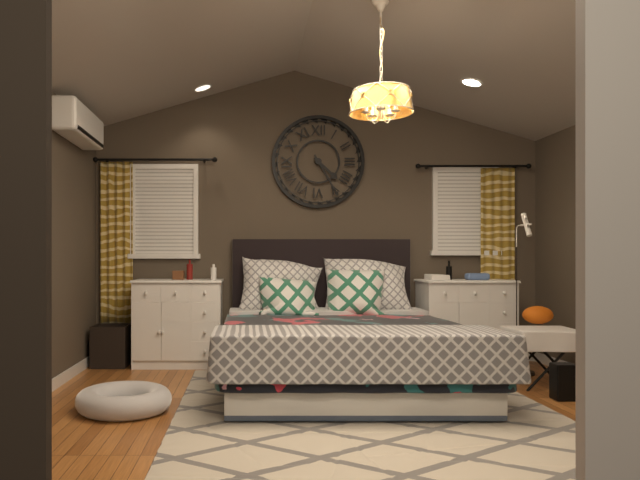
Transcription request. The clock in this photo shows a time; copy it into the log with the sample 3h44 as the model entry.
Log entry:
4h25
